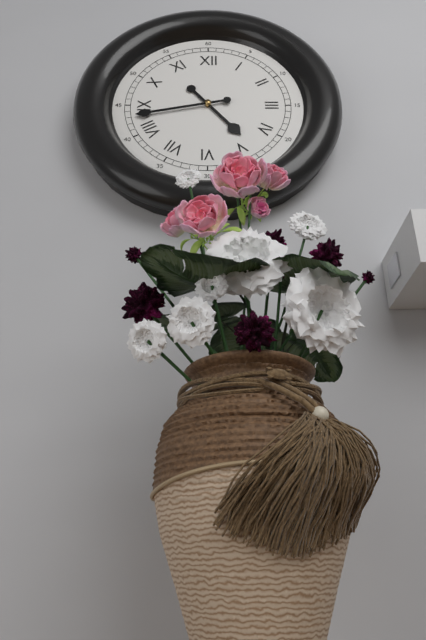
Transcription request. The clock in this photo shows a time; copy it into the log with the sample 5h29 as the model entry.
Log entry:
4h43
